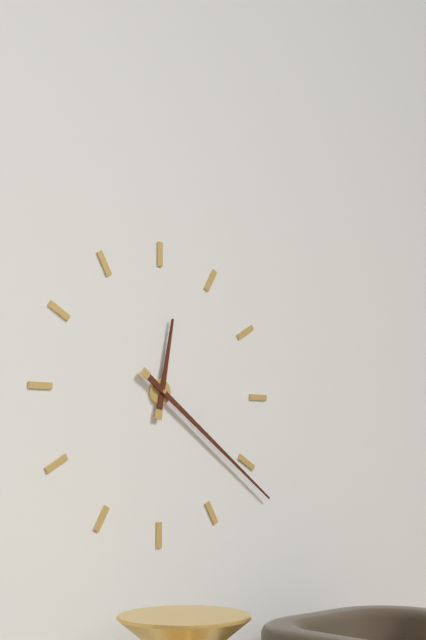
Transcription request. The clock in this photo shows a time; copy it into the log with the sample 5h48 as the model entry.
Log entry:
12h21
